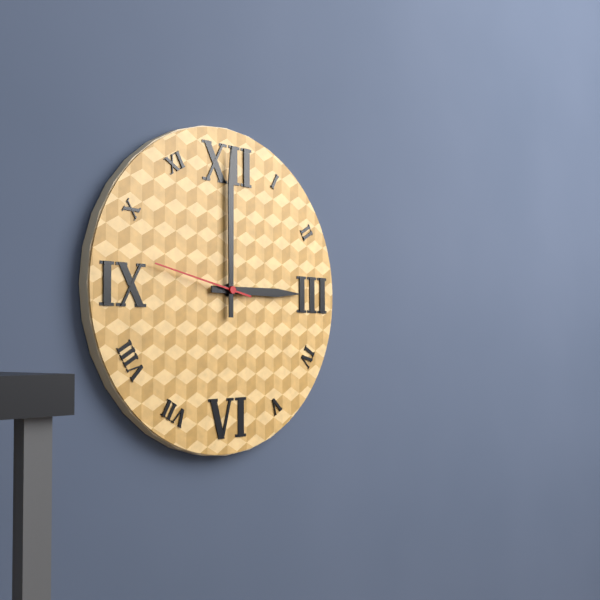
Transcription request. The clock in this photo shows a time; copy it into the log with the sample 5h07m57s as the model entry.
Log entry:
3h00m47s
